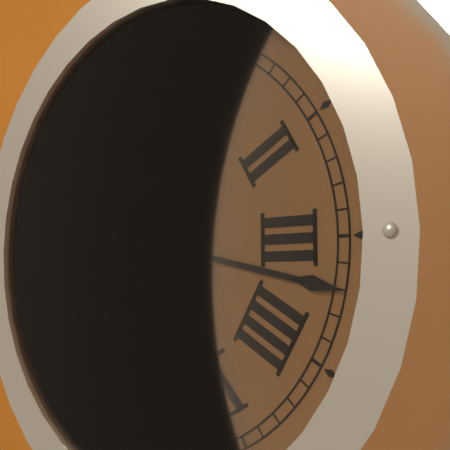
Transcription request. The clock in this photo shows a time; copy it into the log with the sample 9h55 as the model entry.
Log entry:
10h17
